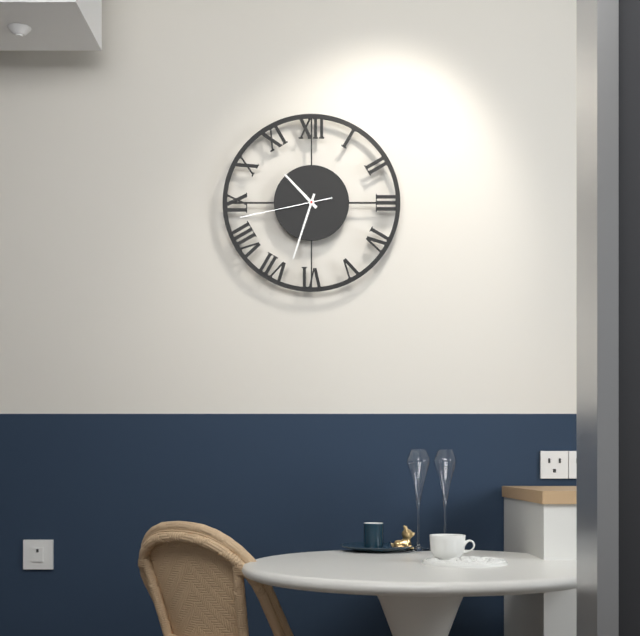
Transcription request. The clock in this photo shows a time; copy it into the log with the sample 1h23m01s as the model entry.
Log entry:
10h33m43s
